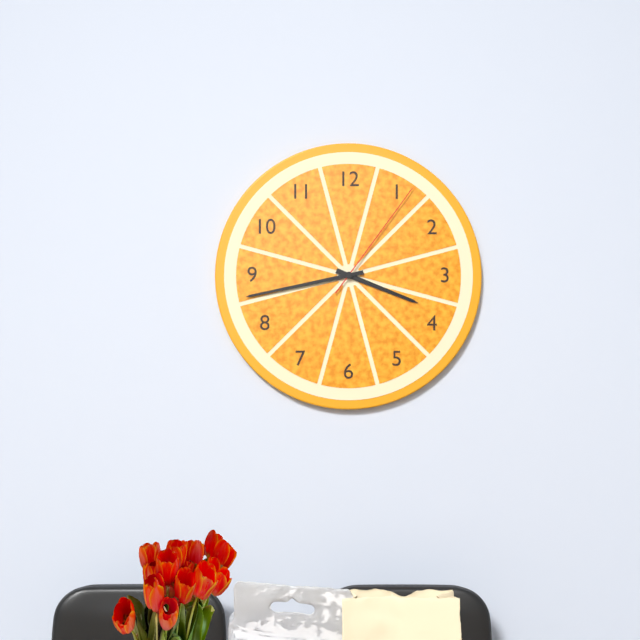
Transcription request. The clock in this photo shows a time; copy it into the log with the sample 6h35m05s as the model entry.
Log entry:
3h43m06s
